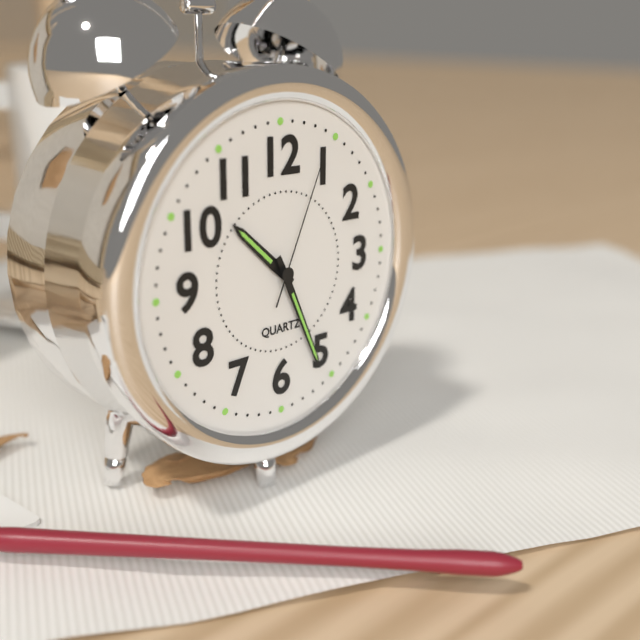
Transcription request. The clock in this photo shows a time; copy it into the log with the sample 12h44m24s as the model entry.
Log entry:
10h26m04s
